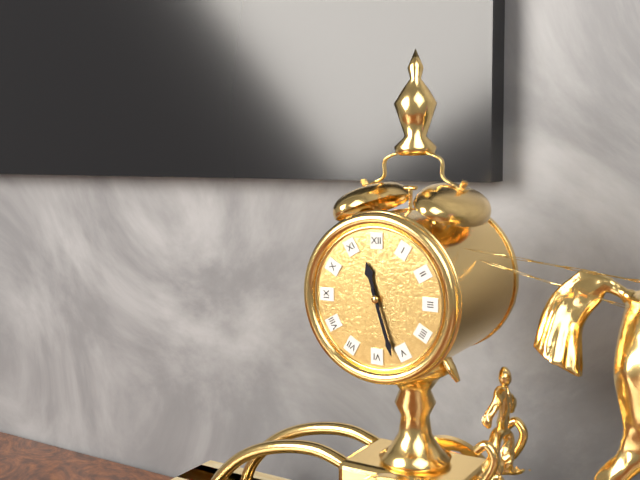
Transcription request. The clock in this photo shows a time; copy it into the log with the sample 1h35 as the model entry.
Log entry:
11h27
